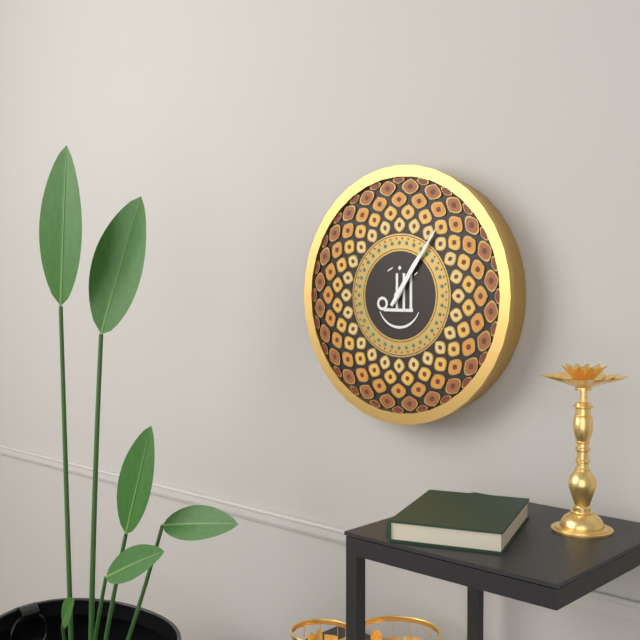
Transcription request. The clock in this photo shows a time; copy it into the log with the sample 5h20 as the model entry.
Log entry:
1h06
